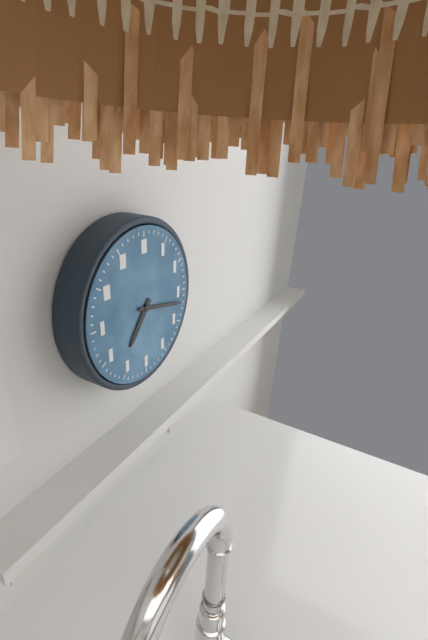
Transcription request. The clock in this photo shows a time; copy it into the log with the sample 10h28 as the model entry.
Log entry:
7h17
